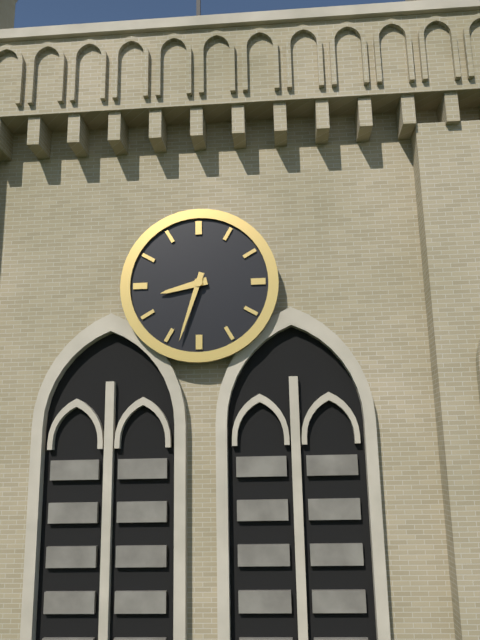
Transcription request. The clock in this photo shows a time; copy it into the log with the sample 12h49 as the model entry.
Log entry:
8h33
